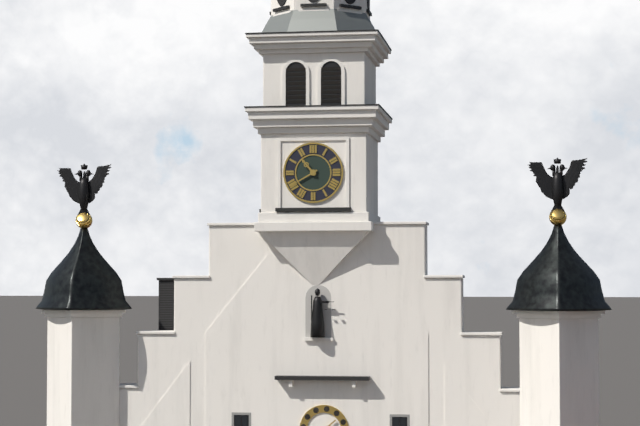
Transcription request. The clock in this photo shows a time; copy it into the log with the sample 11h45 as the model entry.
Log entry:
10h40
